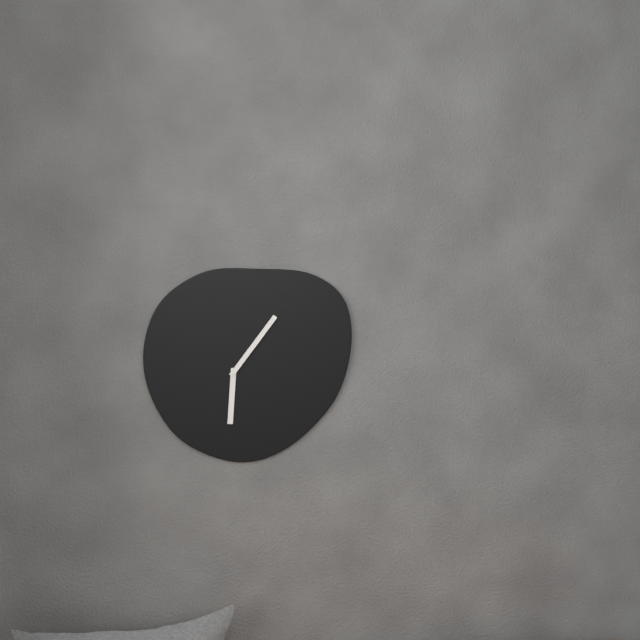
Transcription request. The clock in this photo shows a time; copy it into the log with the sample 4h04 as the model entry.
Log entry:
6h06
